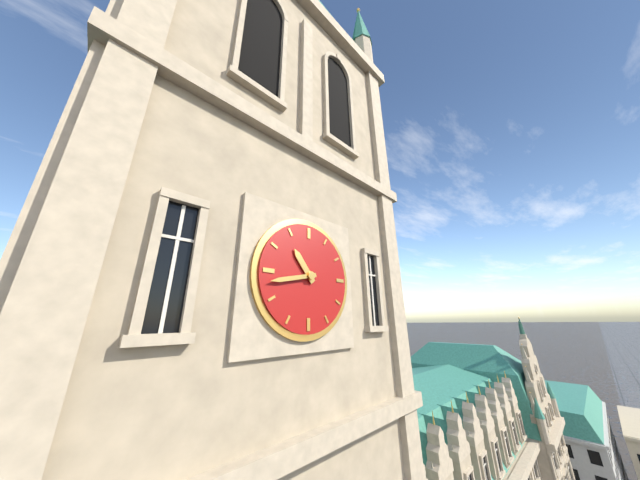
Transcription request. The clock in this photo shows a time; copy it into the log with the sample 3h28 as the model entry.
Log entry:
10h43
